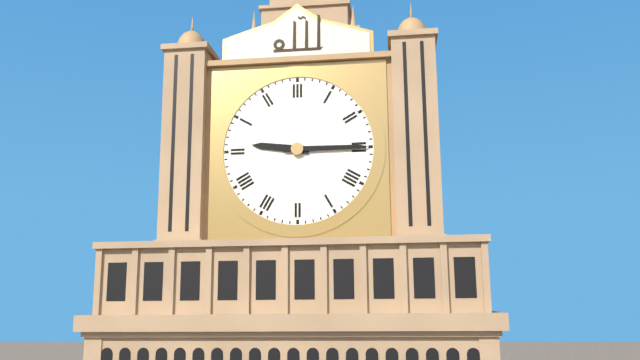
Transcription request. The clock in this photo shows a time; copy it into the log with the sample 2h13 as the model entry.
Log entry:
9h15
